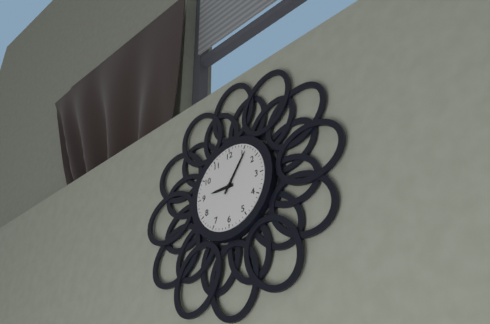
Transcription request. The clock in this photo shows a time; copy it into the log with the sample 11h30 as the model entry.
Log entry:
9h06
